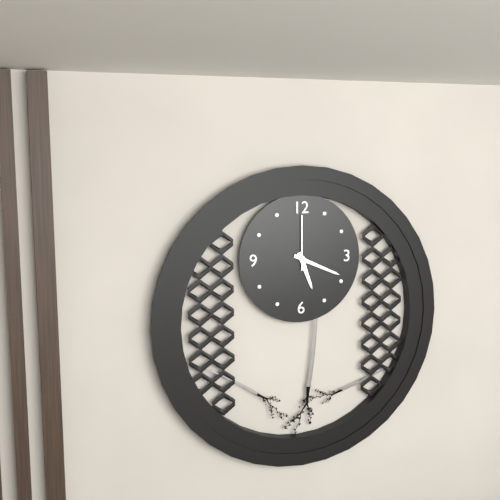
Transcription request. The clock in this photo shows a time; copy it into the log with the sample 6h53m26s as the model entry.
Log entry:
5h19m00s
